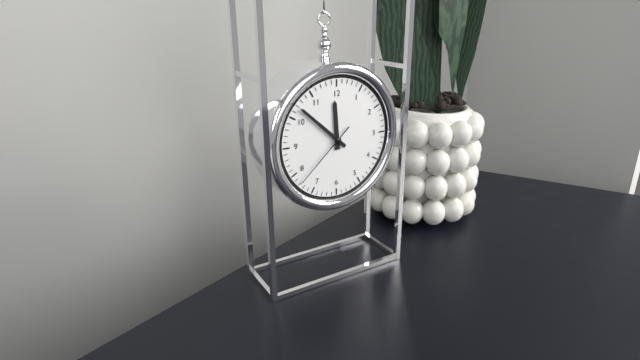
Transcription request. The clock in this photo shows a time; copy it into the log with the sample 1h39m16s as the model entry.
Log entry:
11h52m38s
